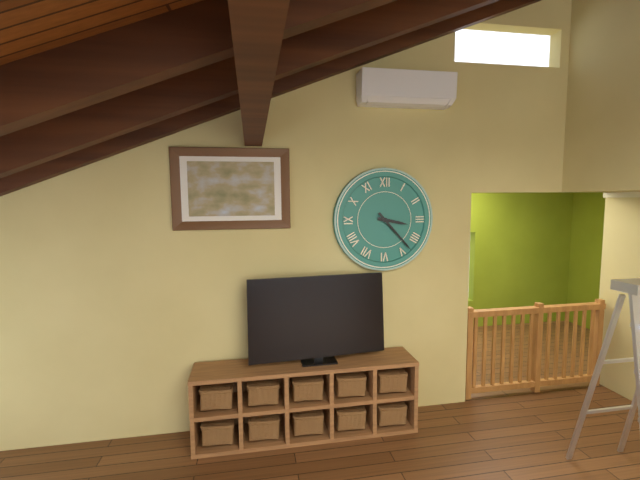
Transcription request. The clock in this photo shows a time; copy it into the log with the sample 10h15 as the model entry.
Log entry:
3h23
